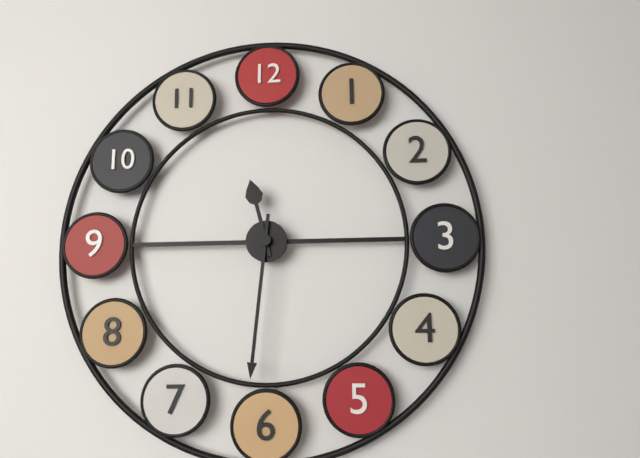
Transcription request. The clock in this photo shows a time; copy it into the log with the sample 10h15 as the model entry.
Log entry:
11h31
